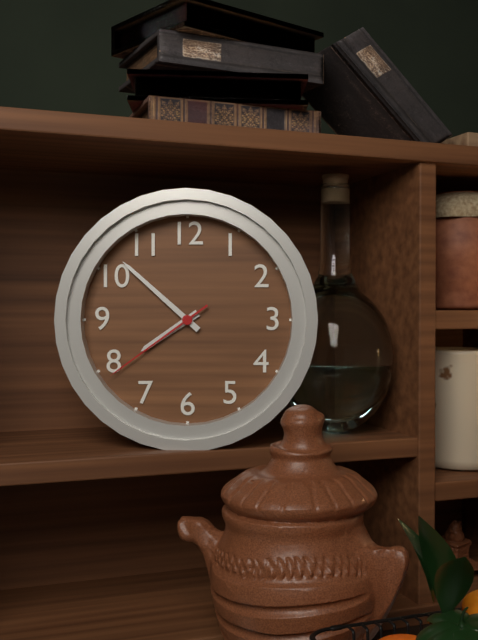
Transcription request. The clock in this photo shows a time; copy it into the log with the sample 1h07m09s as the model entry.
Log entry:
7h52m39s
